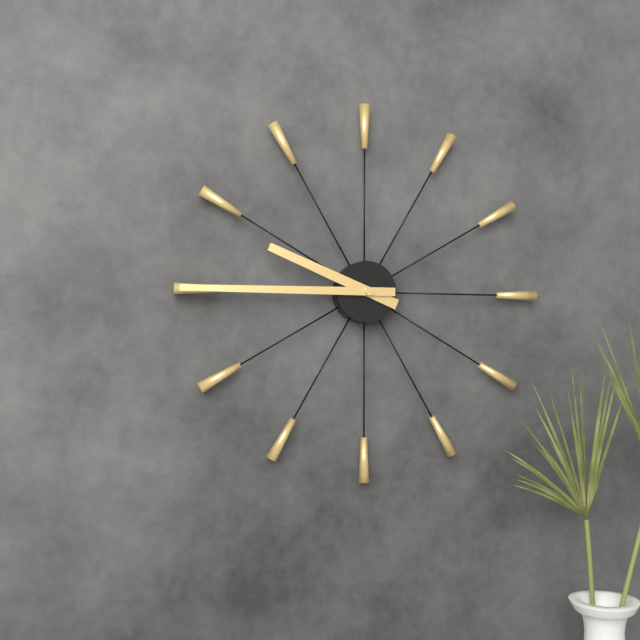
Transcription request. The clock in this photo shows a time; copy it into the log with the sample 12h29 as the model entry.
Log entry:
9h45
